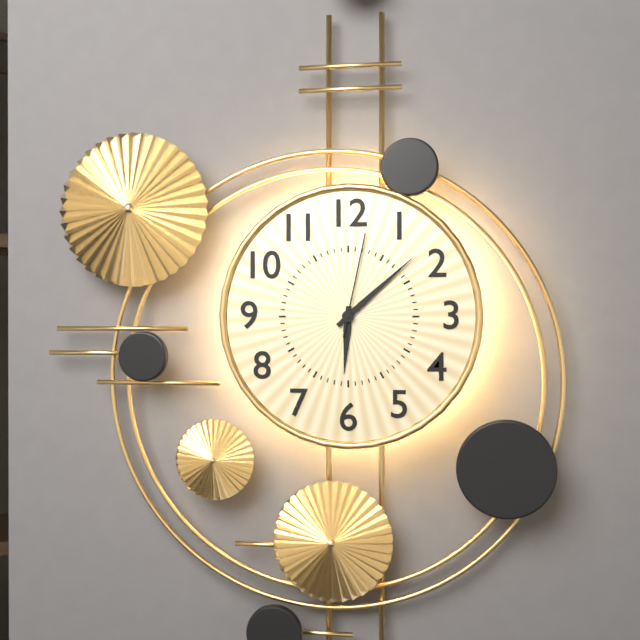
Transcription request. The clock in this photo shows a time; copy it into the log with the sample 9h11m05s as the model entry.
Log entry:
6h08m02s
